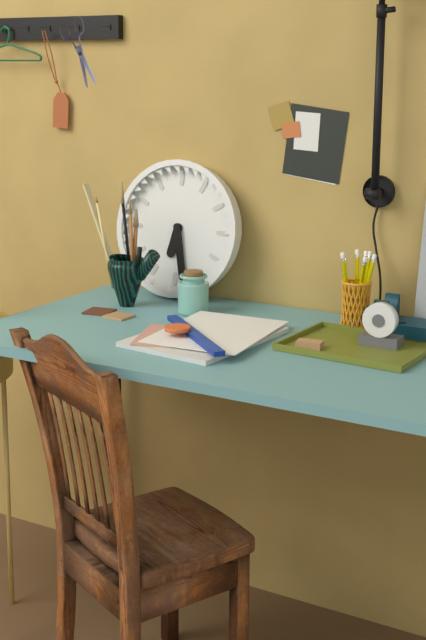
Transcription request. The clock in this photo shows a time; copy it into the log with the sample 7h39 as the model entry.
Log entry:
6h28
